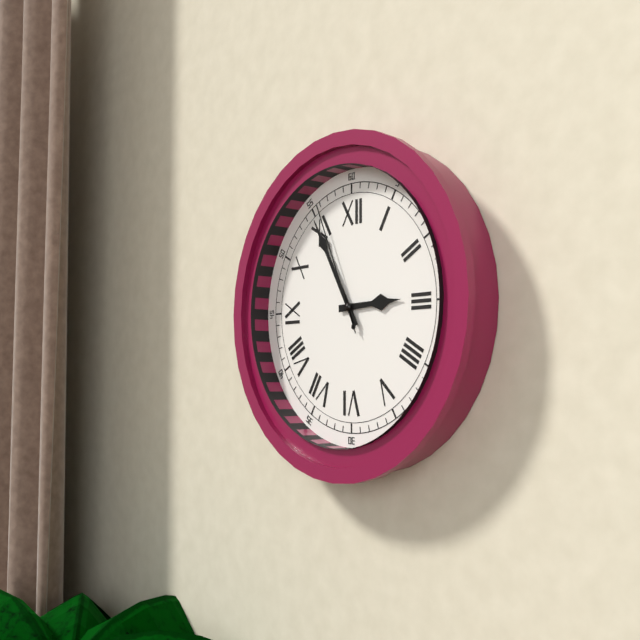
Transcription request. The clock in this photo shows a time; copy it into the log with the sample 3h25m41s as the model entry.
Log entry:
2h55m56s
